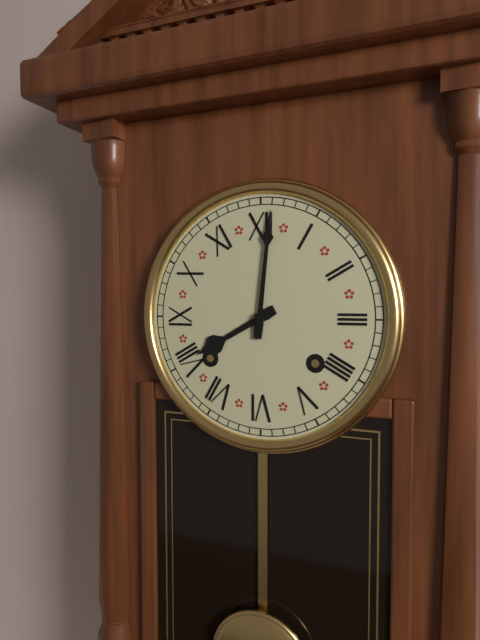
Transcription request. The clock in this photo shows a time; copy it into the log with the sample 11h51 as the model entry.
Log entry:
8h01
